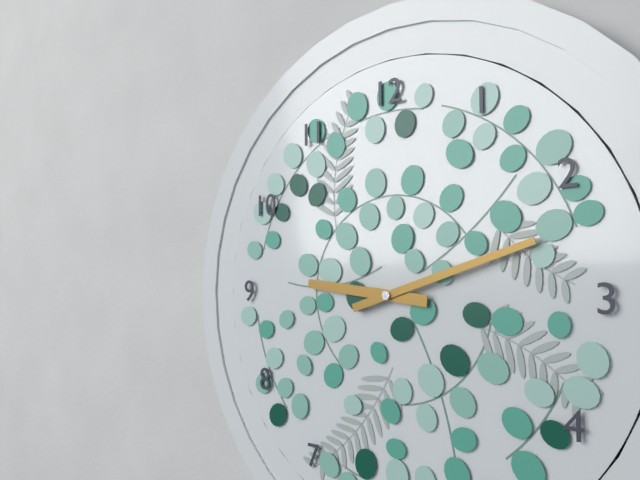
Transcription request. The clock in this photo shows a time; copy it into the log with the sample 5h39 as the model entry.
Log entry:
9h12
